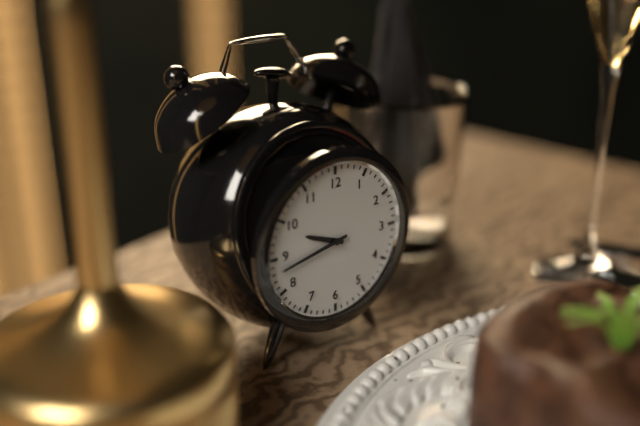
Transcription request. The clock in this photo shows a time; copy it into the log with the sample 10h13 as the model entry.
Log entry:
9h43
